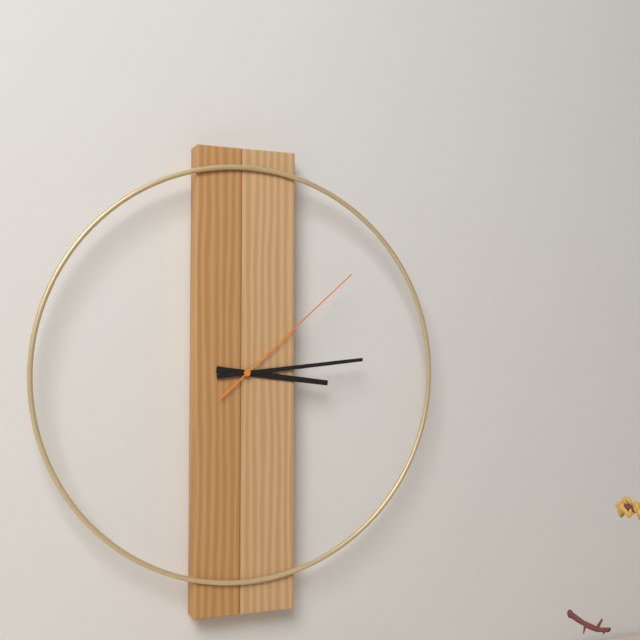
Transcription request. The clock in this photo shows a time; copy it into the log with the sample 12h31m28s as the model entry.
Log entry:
3h14m08s
